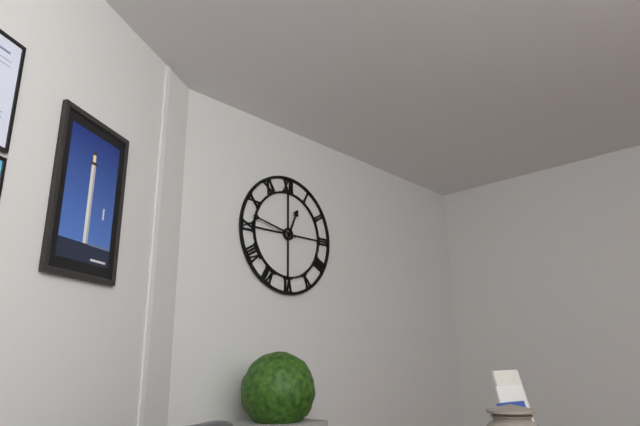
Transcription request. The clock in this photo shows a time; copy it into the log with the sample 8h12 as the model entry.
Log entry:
12h47
